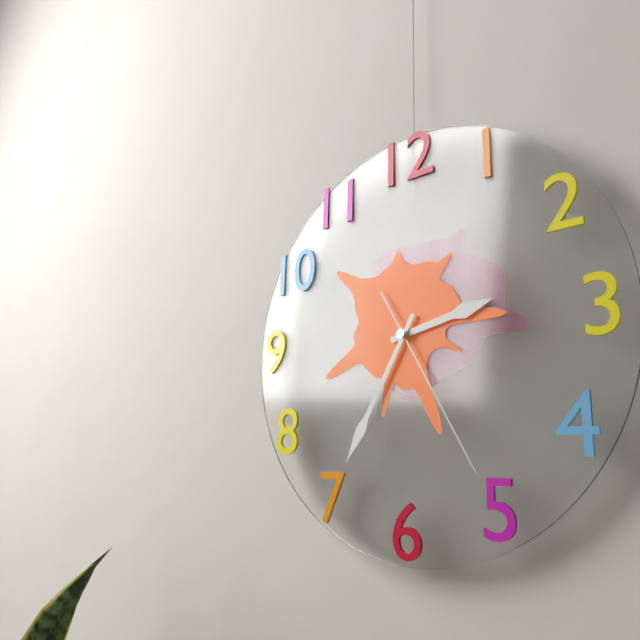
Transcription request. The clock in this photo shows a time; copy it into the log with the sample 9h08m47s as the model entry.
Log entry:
2h35m25s
